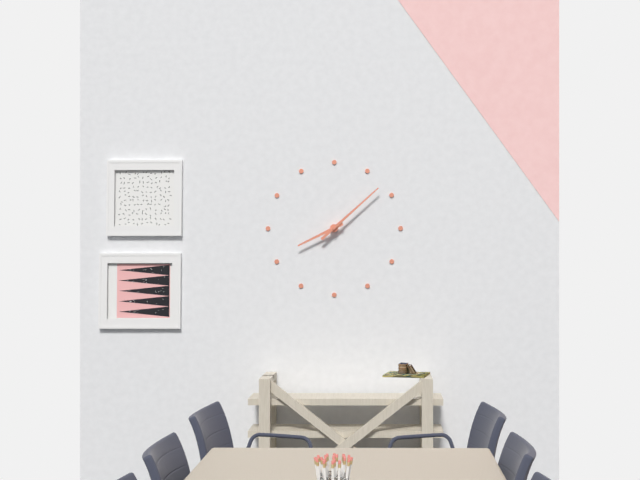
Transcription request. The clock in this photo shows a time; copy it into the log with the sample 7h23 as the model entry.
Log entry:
8h08
